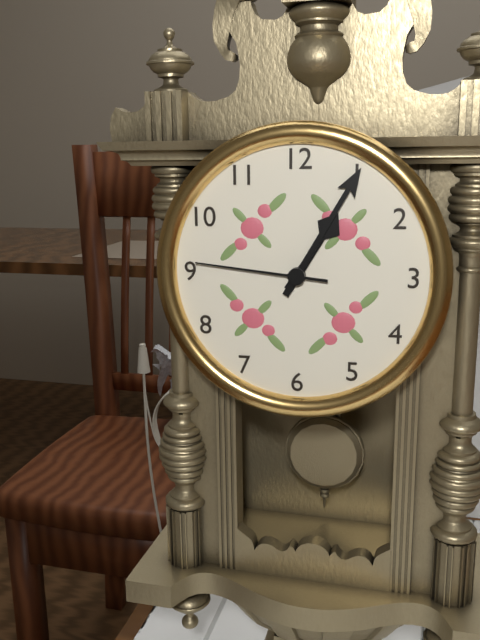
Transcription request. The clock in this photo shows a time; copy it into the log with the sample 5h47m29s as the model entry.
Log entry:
1h05m46s
